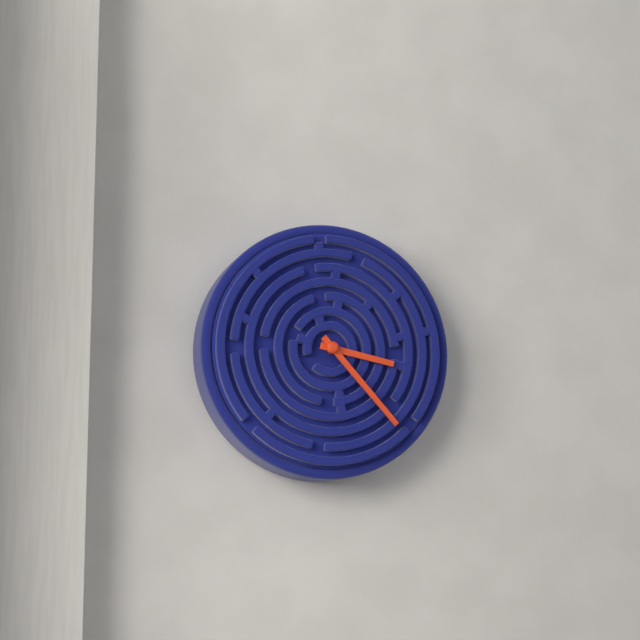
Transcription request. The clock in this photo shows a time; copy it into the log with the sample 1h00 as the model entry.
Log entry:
3h23
